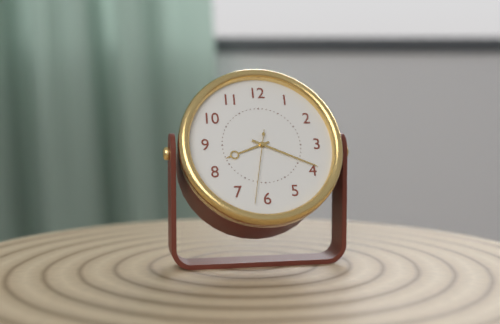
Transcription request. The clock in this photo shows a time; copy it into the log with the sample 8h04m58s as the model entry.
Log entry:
8h19m32s
